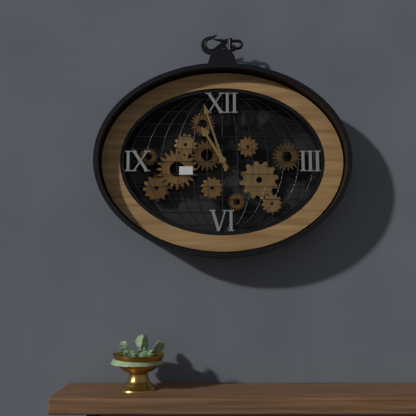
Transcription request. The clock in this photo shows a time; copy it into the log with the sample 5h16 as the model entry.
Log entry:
10h57
